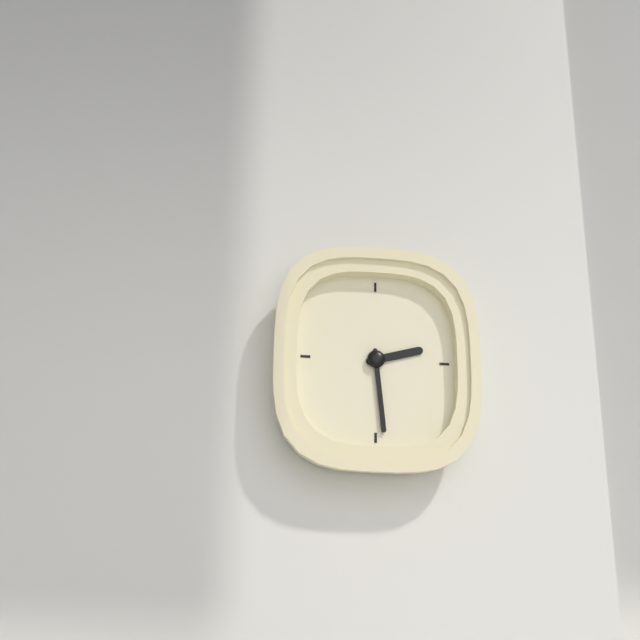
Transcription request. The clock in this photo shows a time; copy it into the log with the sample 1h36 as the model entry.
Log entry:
2h29
